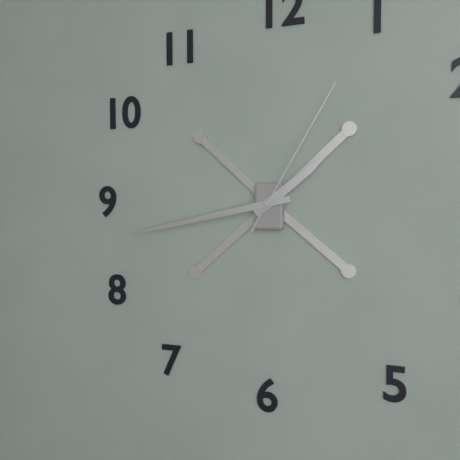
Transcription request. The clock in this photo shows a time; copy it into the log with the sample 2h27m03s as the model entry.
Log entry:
1h43m05s
